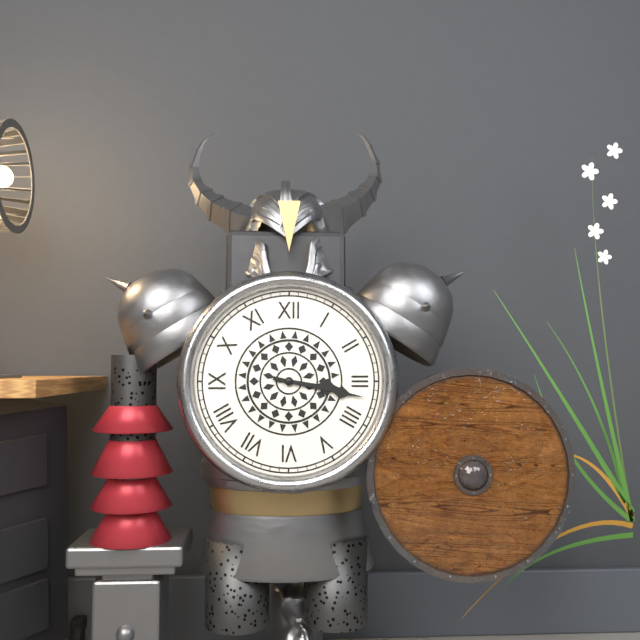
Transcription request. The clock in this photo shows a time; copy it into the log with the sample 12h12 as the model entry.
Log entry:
3h17
